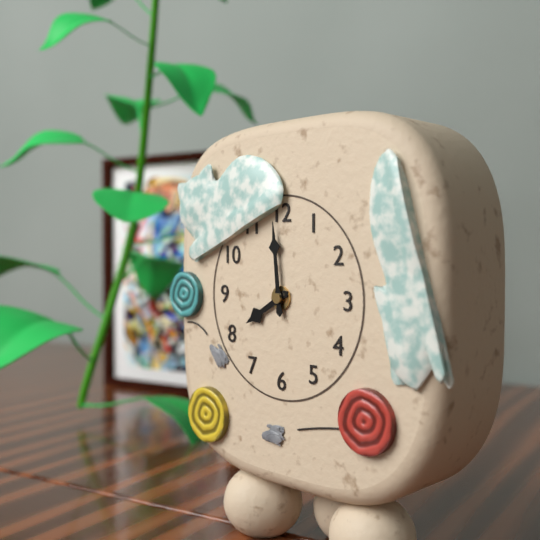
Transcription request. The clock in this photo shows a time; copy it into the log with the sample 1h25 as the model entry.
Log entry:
7h59
